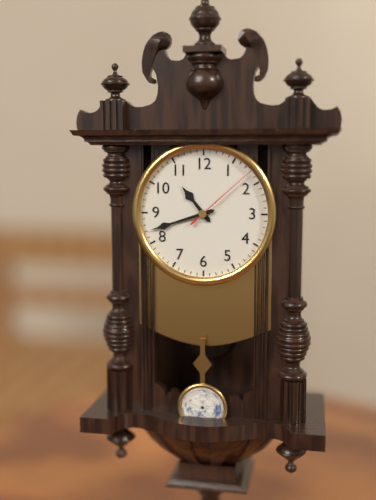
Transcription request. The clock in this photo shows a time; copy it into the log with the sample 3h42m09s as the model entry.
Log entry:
10h42m08s
